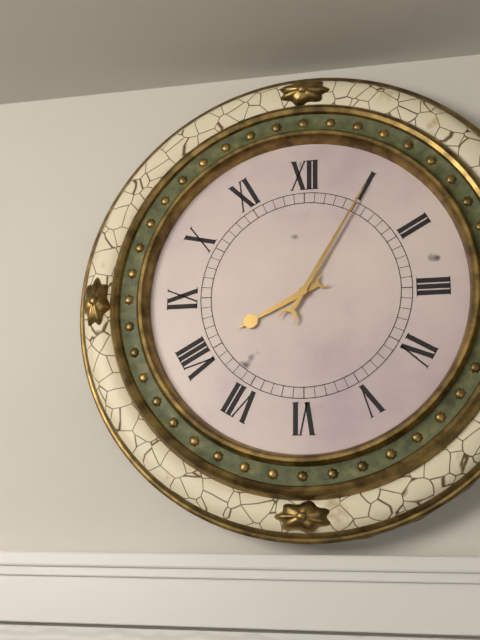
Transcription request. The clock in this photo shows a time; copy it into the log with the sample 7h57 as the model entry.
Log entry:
8h05
